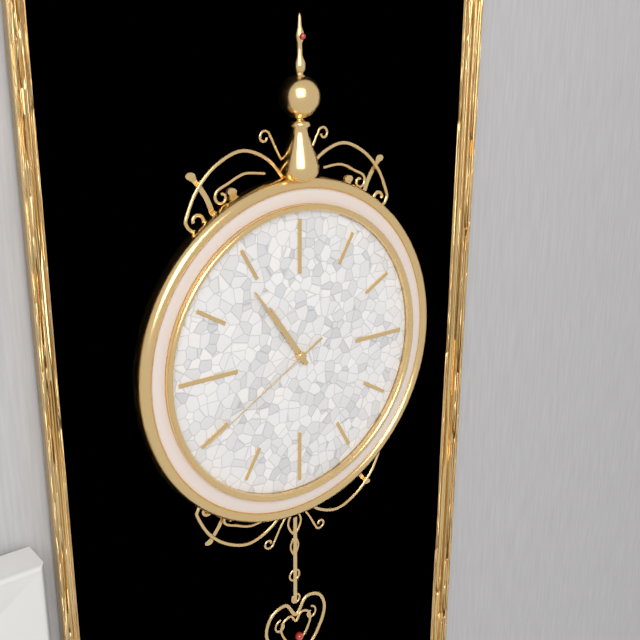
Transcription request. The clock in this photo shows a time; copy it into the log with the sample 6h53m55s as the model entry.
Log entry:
10h54m40s
